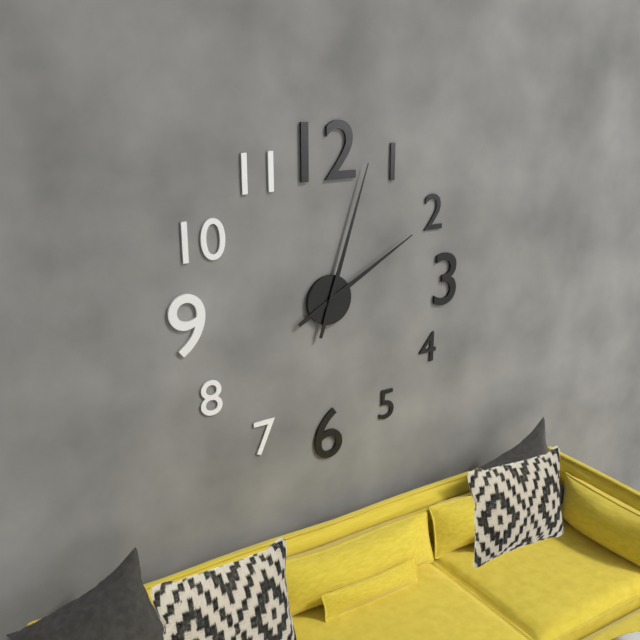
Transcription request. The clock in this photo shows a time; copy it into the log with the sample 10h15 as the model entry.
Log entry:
2h03
